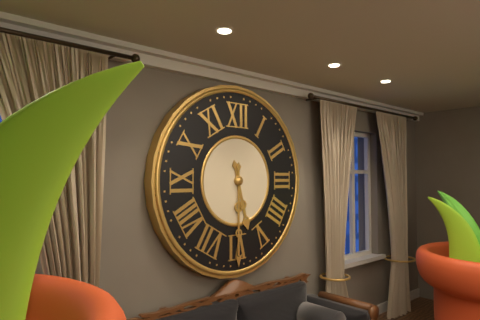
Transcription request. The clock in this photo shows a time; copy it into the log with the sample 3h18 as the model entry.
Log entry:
5h30
